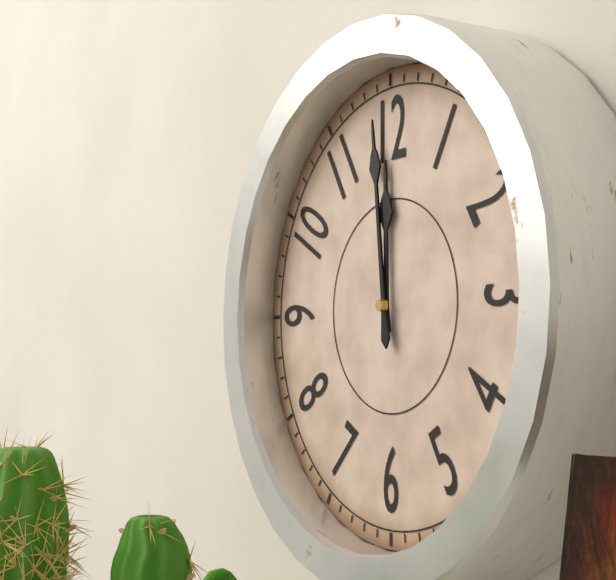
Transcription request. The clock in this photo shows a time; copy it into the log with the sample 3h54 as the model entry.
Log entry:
11h59
